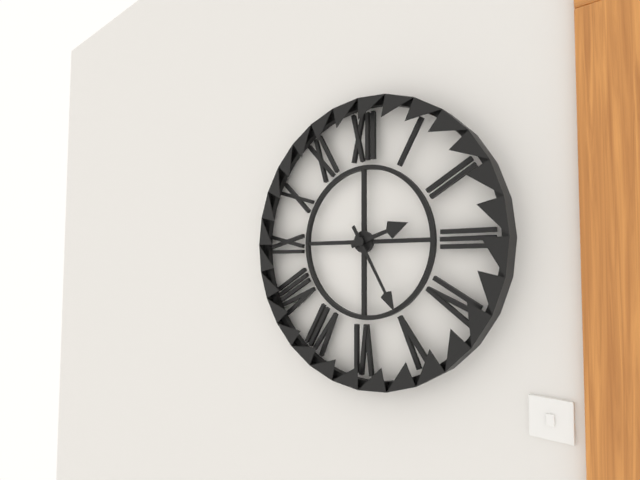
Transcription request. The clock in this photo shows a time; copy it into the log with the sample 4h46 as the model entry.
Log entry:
2h25
